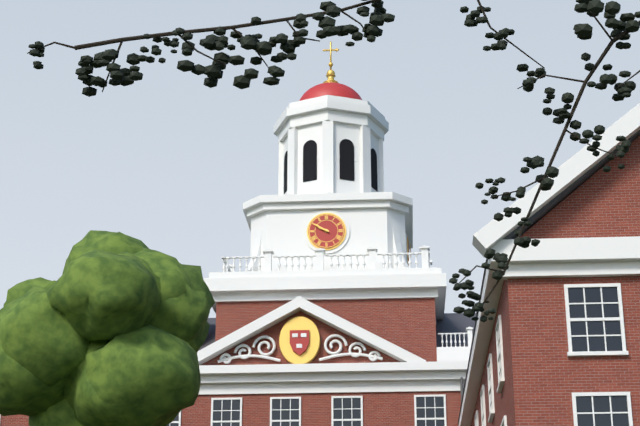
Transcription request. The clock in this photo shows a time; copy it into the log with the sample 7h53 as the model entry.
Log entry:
9h50
